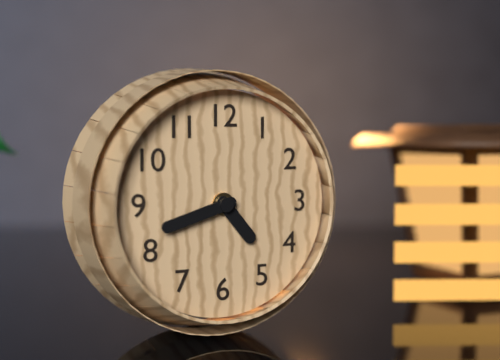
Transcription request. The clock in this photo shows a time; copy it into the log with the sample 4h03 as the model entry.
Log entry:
4h42
